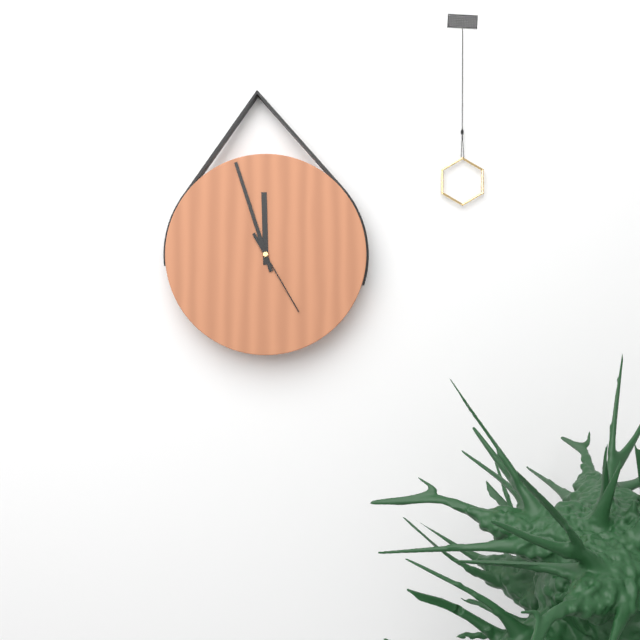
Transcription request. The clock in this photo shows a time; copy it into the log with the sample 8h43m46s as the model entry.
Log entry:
11h57m25s
